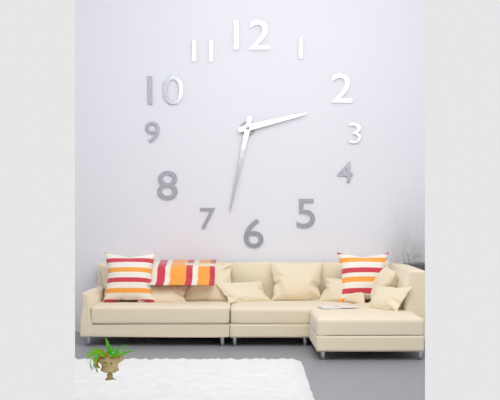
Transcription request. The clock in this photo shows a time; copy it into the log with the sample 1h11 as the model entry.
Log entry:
2h32
